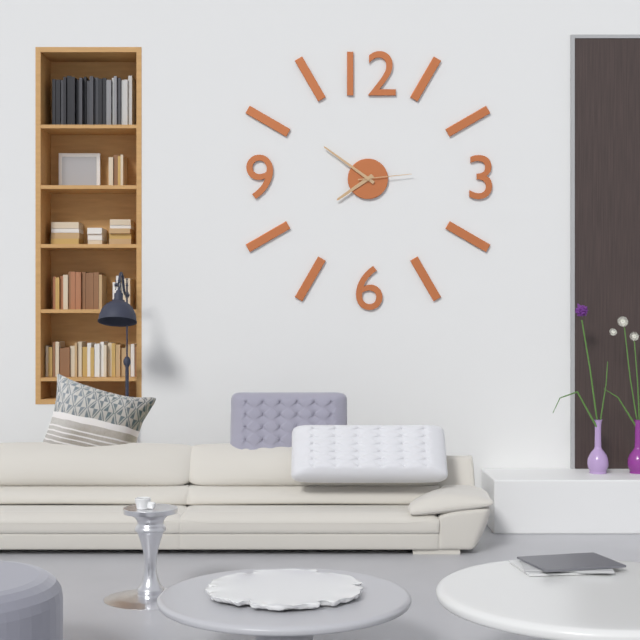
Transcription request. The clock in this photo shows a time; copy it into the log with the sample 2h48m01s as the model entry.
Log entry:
7h51m14s
